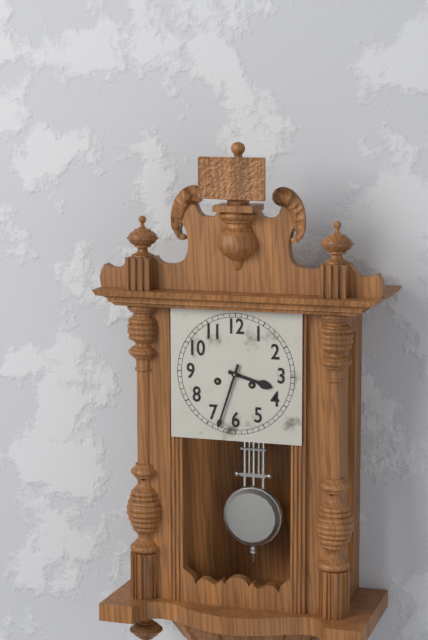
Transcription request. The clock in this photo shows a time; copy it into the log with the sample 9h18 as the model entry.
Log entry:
3h33
